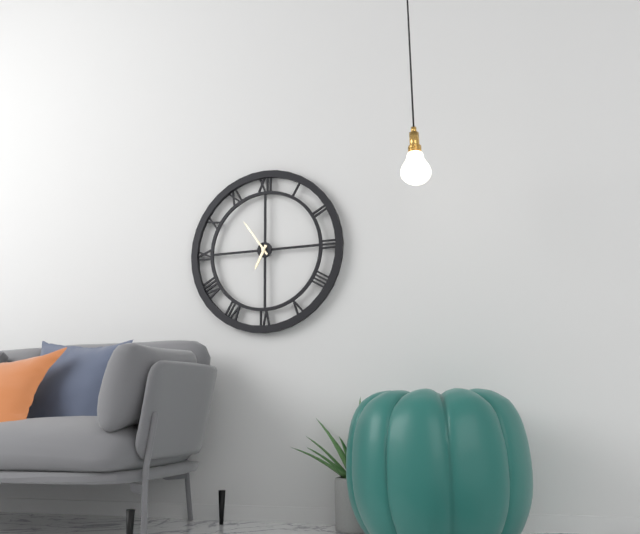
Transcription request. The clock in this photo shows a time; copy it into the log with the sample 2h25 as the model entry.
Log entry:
6h54
